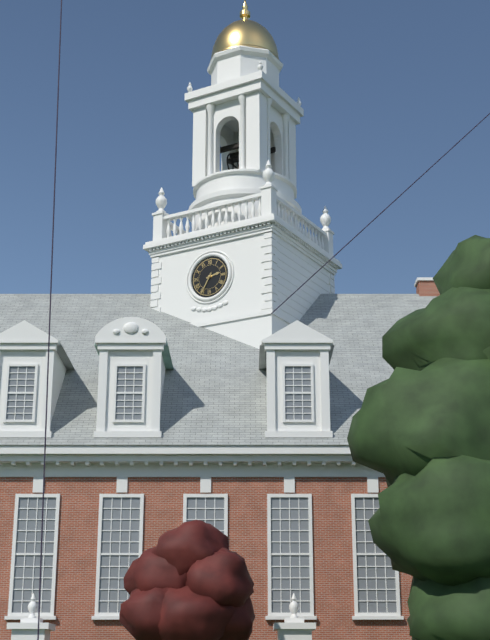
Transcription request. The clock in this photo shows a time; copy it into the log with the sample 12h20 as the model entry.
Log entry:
2h35
